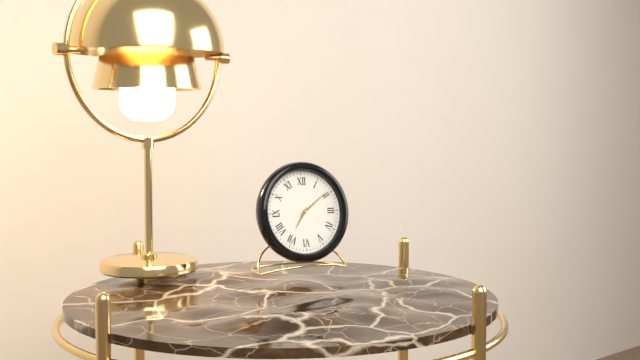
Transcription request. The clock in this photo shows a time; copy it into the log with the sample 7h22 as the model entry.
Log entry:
7h09
